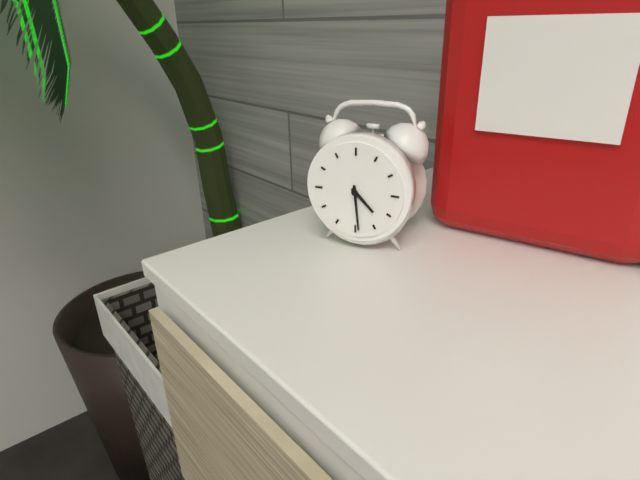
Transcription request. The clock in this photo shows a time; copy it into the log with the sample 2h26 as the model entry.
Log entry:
4h29
